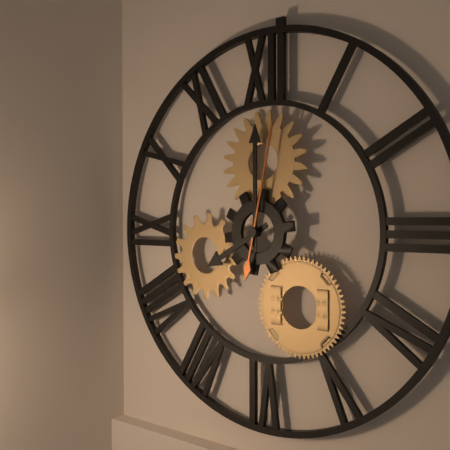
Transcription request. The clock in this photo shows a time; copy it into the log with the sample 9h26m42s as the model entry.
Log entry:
8h00m02s
